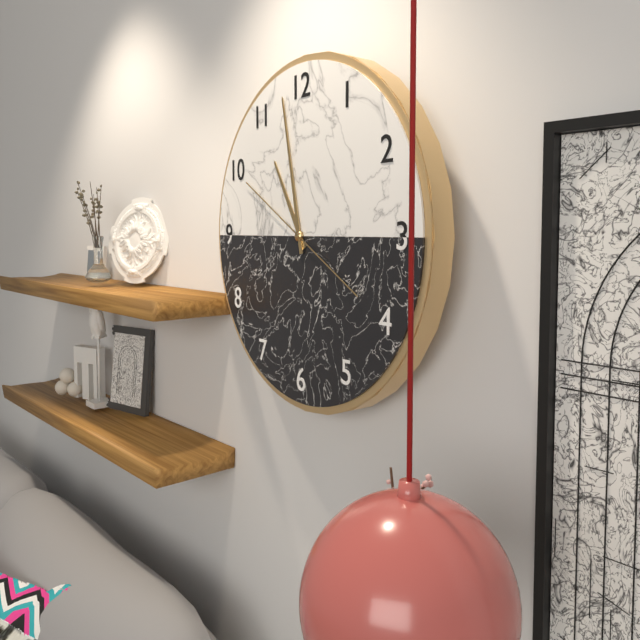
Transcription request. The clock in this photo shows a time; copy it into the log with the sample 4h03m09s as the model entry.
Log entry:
10h58m50s
